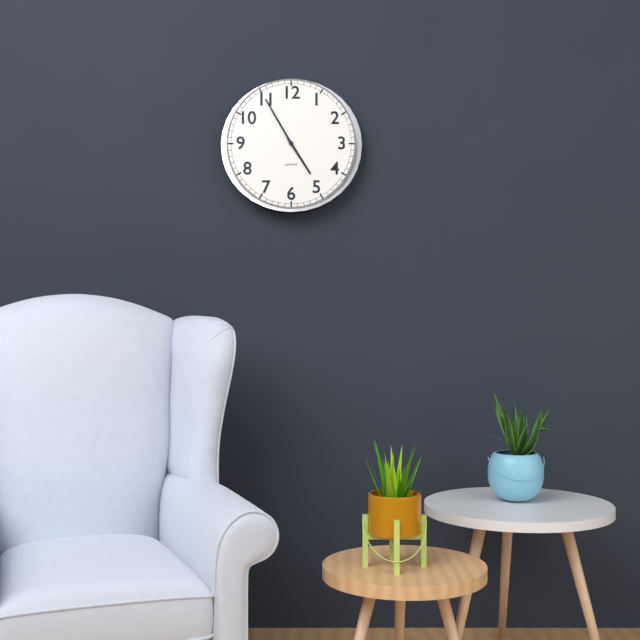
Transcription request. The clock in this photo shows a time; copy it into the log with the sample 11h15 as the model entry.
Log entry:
4h55
